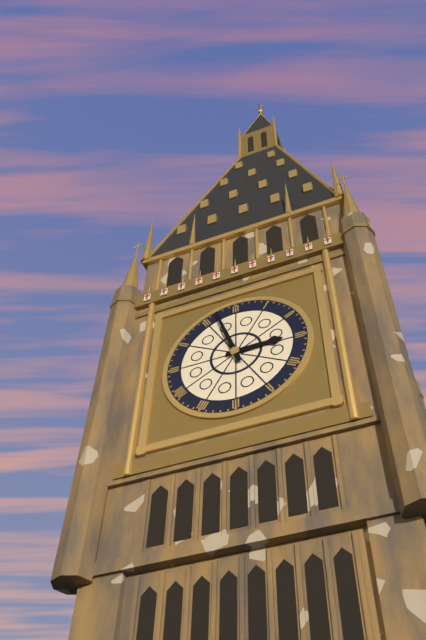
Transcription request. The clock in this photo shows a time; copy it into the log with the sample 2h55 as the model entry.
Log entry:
2h57
